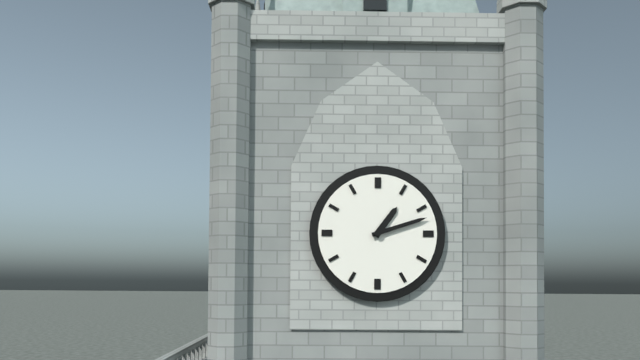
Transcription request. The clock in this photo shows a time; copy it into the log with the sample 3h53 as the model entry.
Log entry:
1h12
